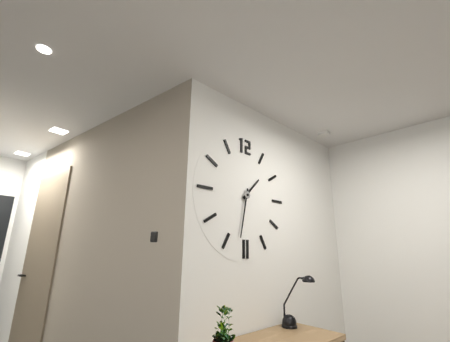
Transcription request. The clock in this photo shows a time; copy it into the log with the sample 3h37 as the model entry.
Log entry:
1h32
